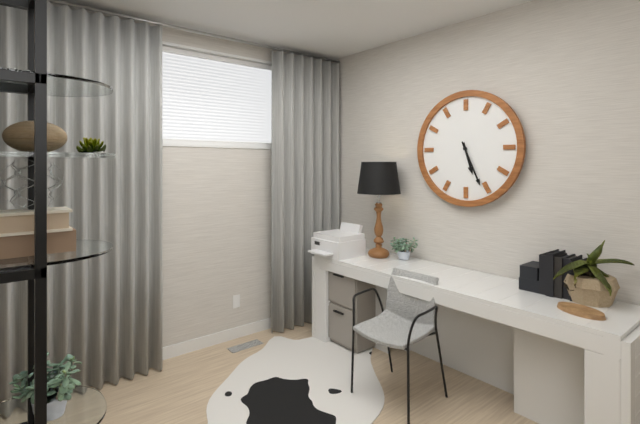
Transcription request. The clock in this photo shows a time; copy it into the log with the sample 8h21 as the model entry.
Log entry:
5h26
